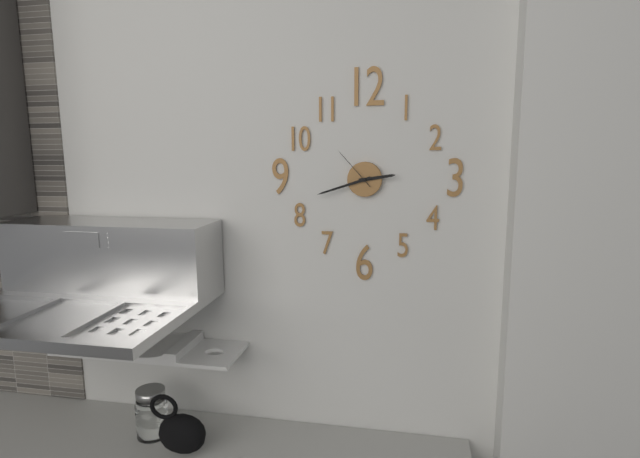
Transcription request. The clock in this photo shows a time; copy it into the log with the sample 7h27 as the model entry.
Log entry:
2h42
